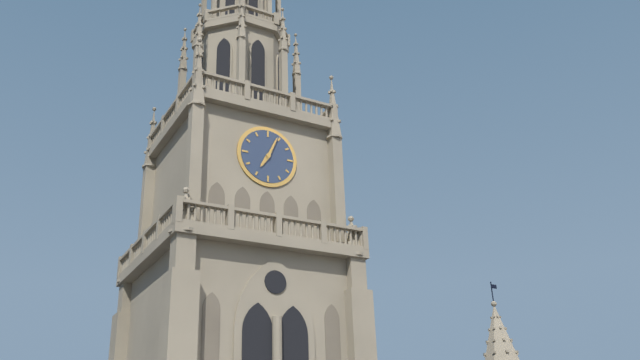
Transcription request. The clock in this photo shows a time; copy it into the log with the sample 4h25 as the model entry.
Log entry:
7h04
